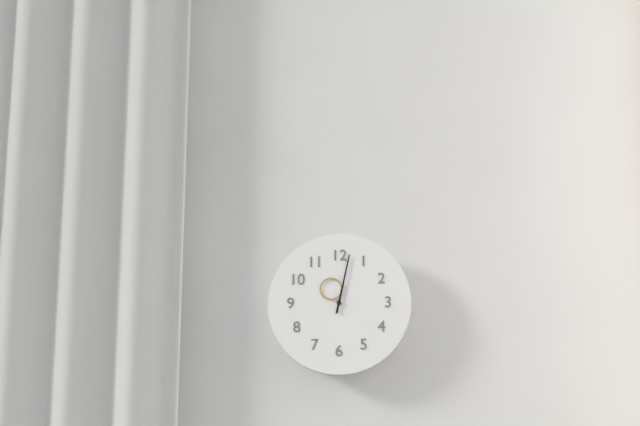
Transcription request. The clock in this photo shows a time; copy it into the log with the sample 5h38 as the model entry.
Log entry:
11h02
